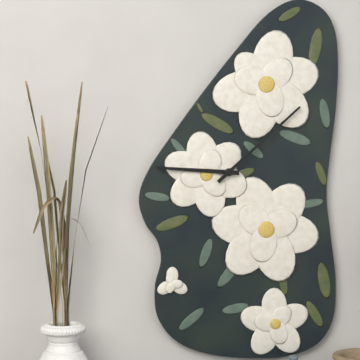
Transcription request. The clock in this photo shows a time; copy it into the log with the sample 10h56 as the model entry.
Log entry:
9h08
